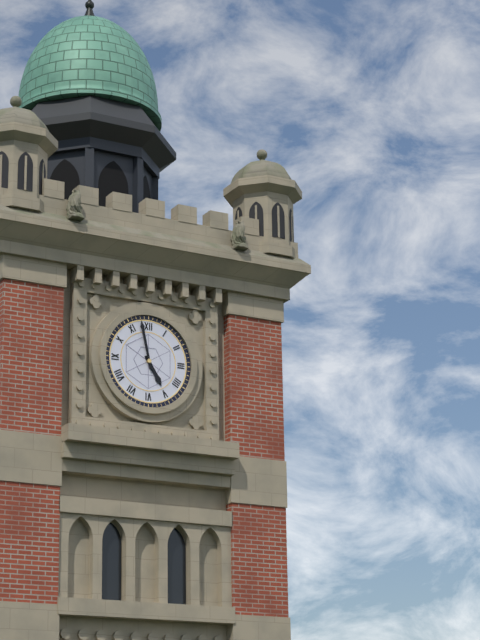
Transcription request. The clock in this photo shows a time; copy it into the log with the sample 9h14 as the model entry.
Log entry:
4h58
